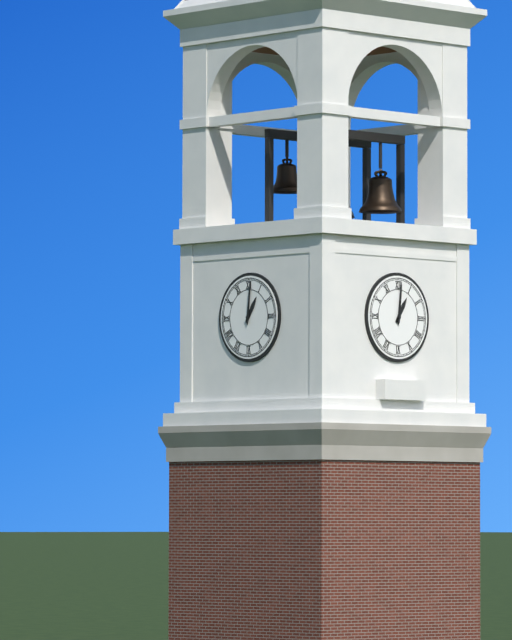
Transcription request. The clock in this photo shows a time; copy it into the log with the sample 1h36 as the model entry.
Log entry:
1h01
